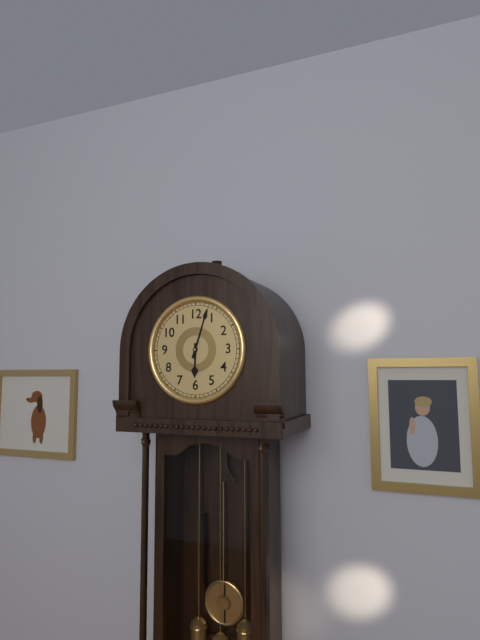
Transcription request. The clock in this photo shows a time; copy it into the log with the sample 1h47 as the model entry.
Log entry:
6h03
